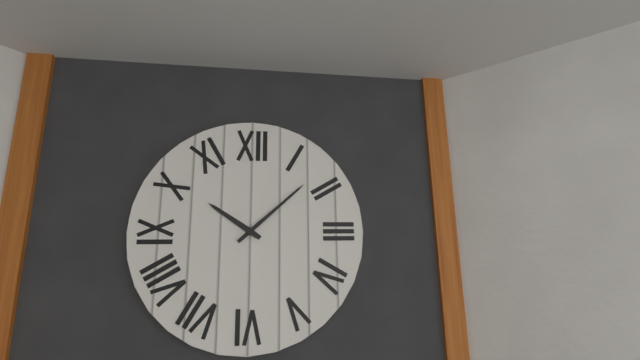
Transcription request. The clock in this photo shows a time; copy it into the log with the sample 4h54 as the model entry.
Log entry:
10h08
